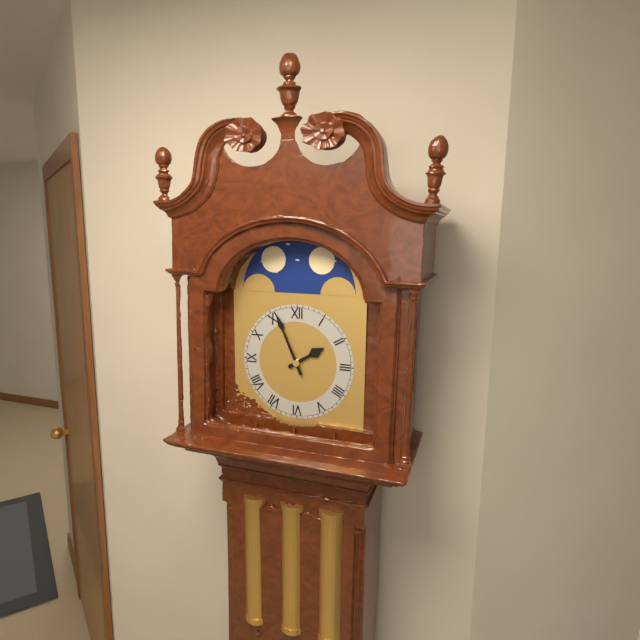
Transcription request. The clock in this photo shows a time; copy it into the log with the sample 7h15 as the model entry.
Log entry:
1h56
